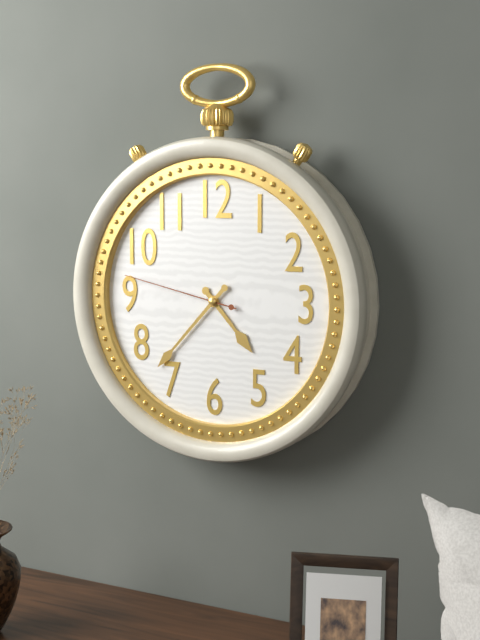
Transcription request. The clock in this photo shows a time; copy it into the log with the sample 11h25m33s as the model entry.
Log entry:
4h37m47s
